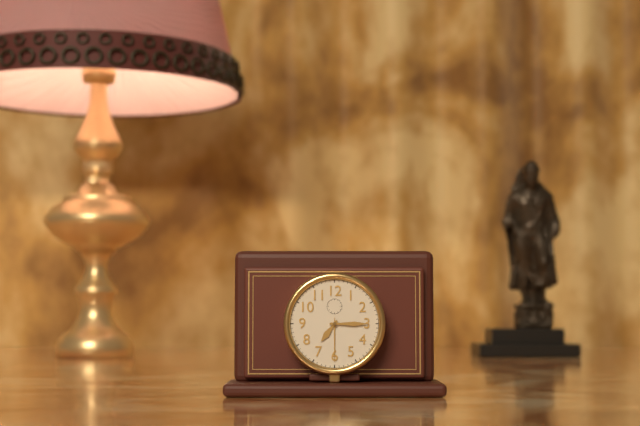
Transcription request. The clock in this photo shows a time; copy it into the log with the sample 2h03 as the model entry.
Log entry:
7h15
